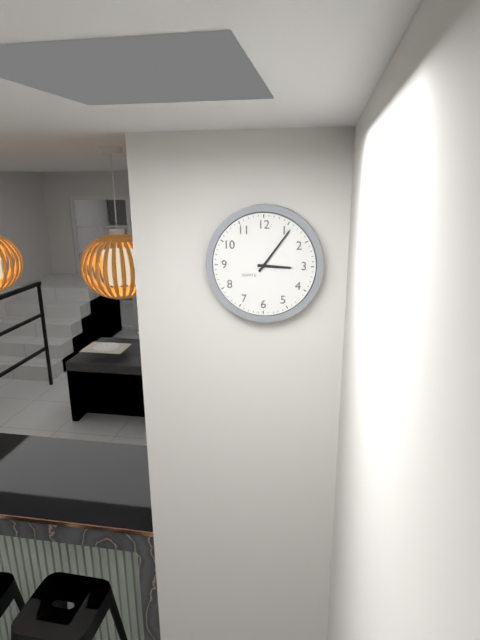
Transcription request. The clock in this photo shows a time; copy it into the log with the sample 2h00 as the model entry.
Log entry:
3h06
